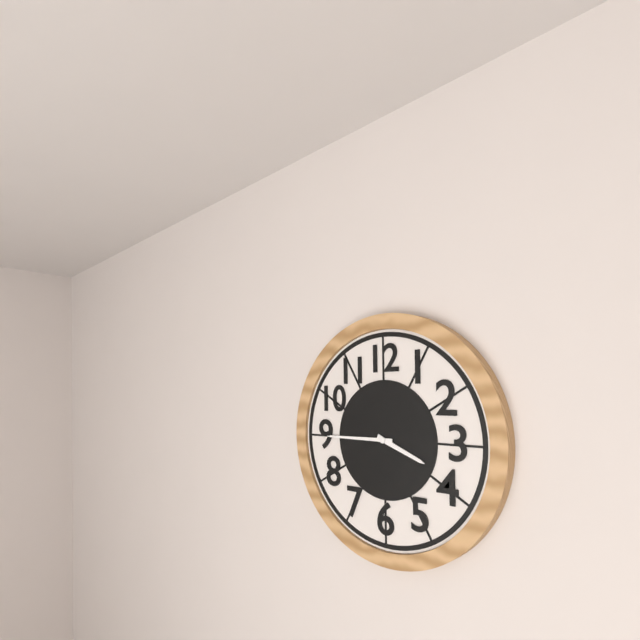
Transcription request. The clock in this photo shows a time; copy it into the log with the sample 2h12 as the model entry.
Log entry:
3h45
